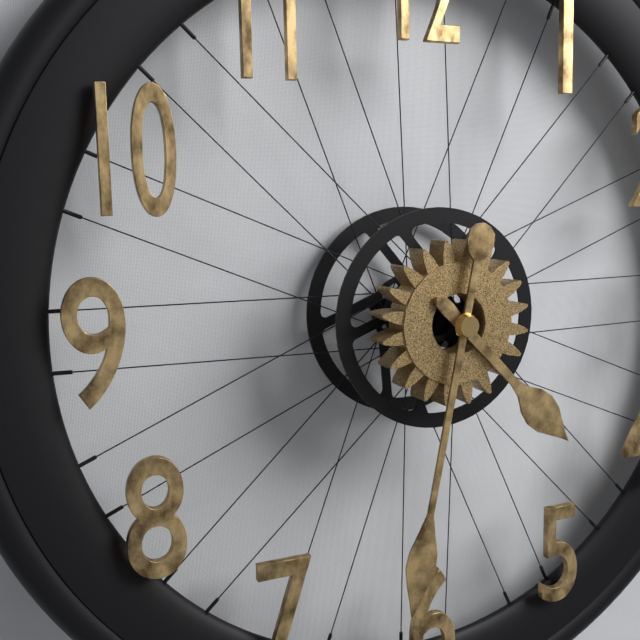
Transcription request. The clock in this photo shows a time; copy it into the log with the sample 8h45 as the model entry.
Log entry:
4h32
